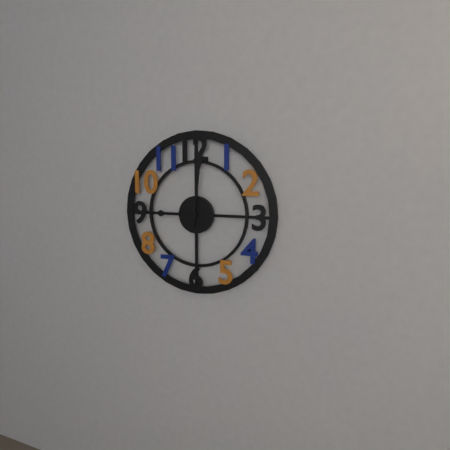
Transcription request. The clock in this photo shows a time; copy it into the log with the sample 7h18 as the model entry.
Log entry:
9h01
